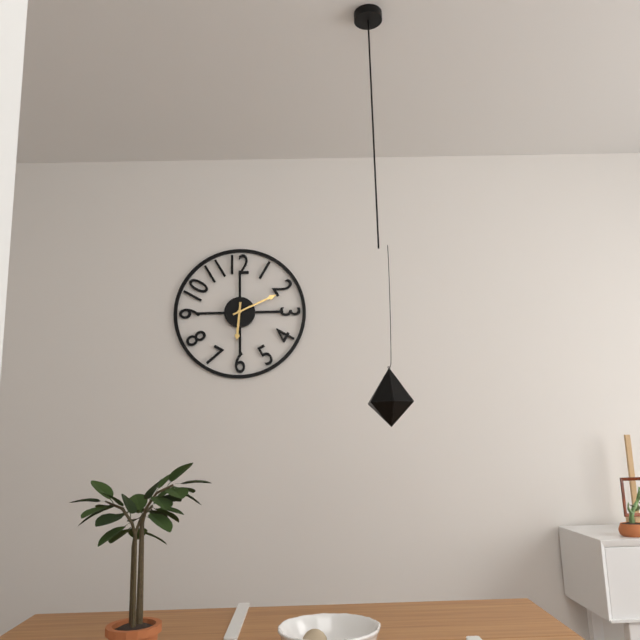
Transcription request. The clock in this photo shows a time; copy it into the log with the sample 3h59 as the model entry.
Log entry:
6h11
